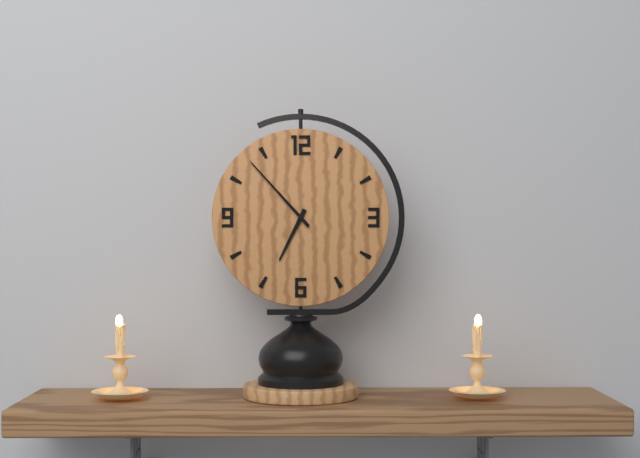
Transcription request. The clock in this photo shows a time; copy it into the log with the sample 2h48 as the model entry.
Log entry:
6h53
